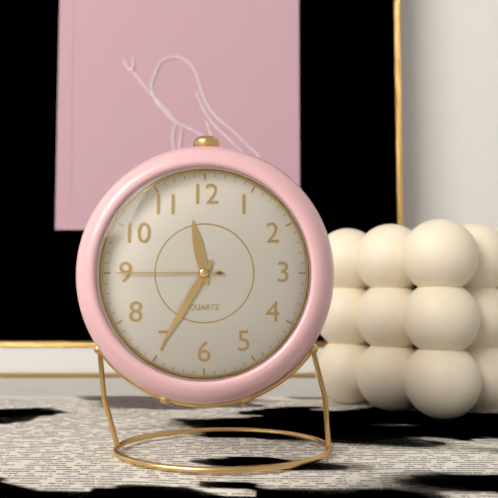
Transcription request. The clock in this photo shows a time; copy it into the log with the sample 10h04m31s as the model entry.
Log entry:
11h35m45s
